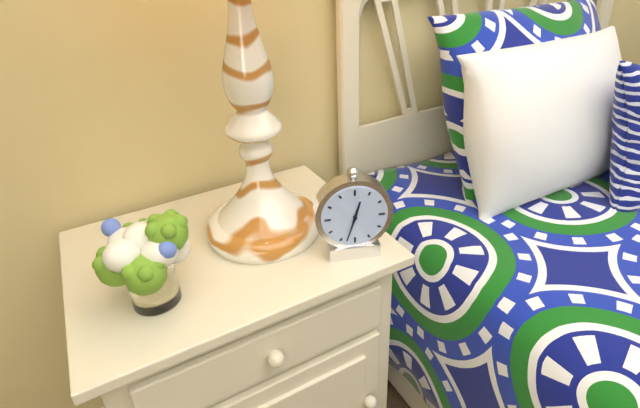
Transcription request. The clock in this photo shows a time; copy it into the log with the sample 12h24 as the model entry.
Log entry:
12h33
